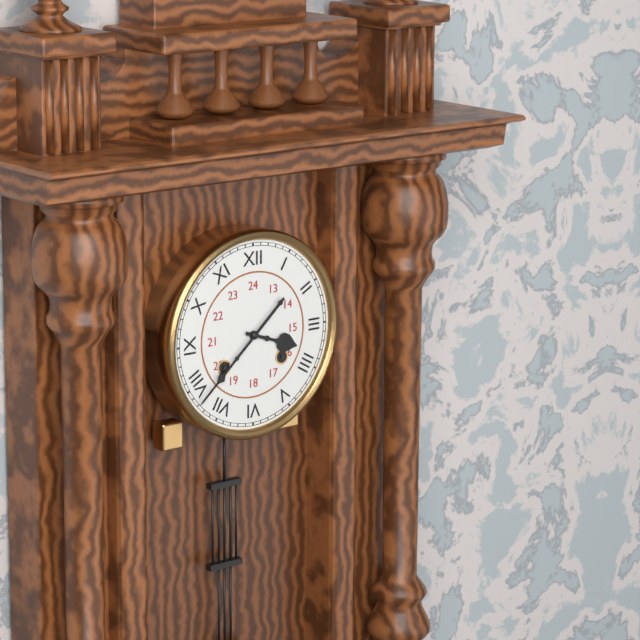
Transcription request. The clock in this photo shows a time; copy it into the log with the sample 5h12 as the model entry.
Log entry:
3h38
